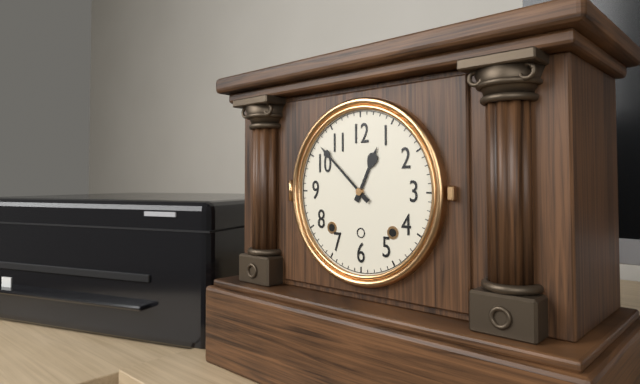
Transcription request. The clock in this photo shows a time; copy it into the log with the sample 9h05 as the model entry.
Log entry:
12h52
